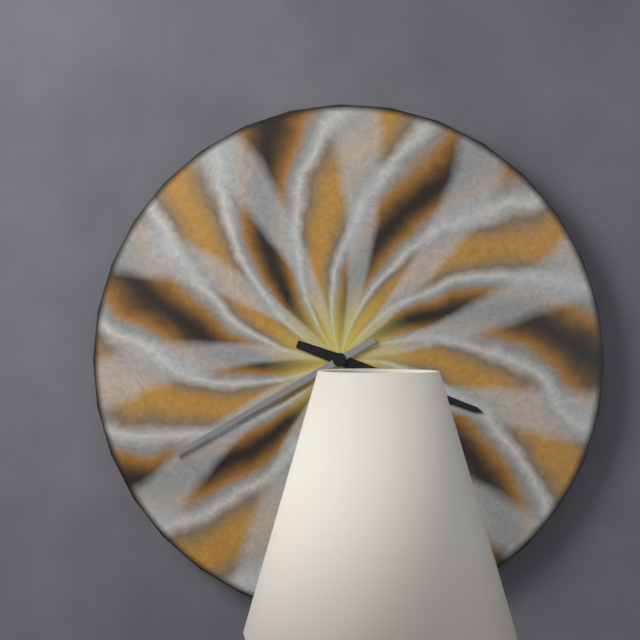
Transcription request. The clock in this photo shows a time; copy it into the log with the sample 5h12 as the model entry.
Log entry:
3h40
